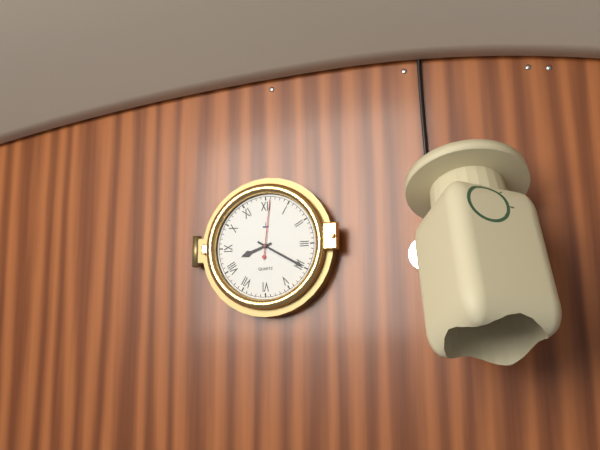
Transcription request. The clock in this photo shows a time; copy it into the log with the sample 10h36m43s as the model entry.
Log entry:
8h20m01s
